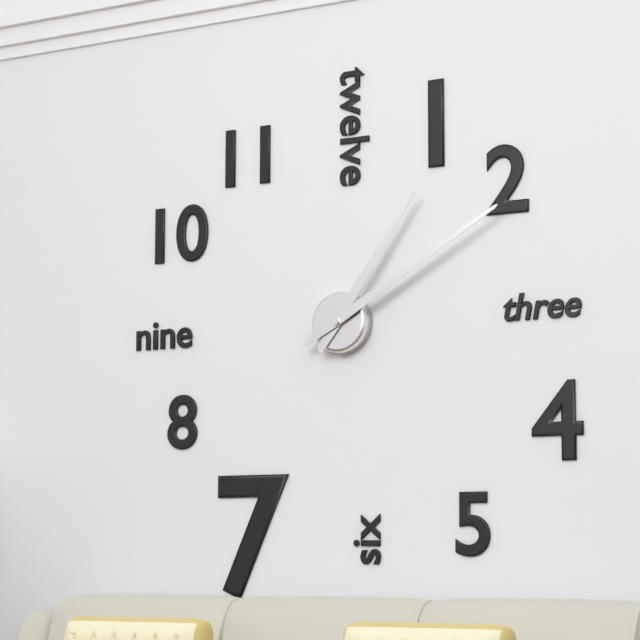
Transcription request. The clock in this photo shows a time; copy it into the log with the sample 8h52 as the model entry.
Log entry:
1h10
